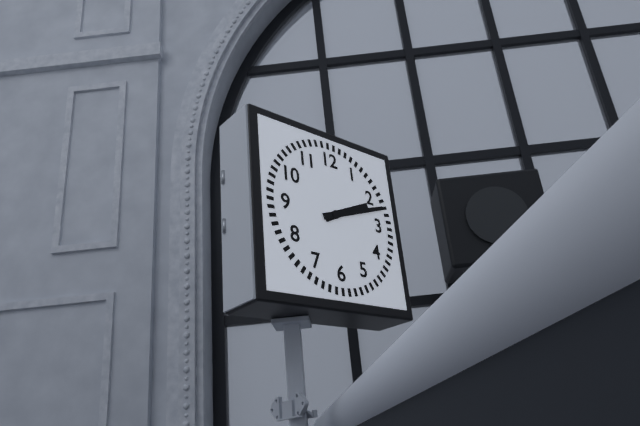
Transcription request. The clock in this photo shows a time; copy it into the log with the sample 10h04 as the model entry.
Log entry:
2h12
